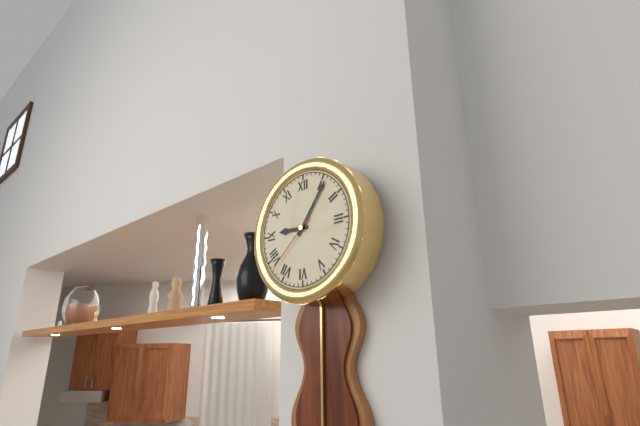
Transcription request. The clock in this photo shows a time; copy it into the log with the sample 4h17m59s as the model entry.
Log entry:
9h06m38s
